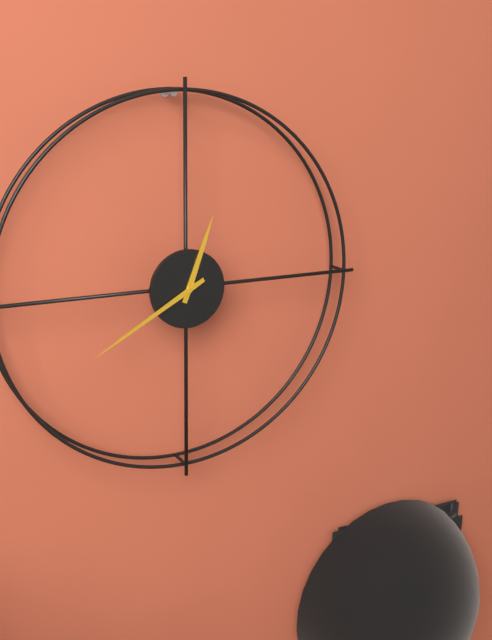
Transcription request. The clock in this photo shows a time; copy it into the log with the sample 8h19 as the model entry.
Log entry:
12h40
